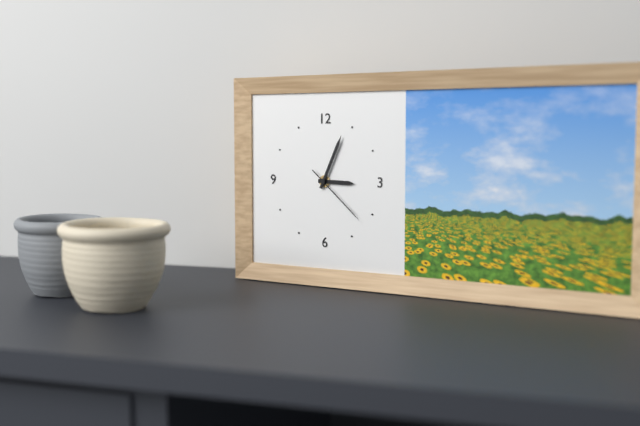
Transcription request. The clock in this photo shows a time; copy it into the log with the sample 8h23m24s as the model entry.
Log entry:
3h04m22s
